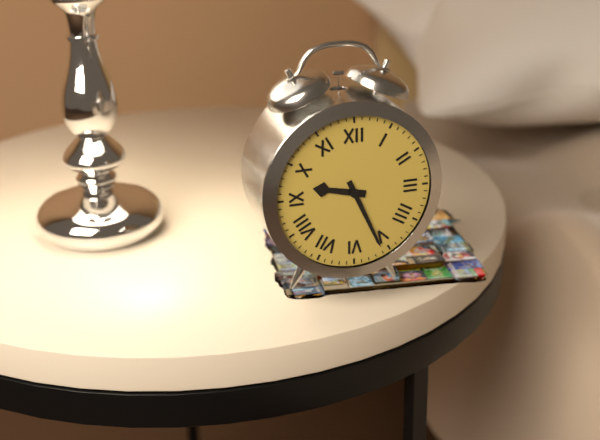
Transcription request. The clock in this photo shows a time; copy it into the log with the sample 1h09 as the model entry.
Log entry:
9h26
